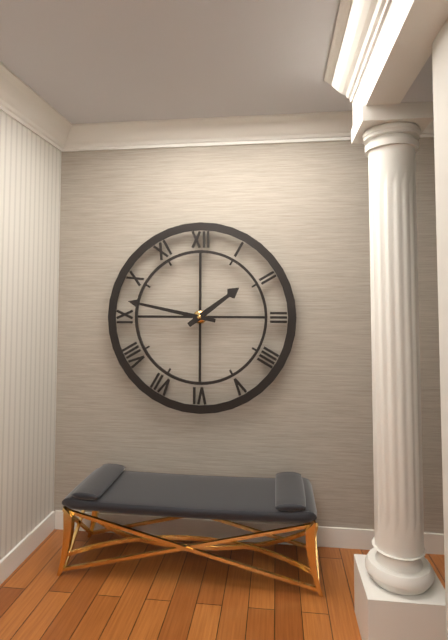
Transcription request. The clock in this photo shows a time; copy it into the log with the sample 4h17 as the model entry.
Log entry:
1h47
